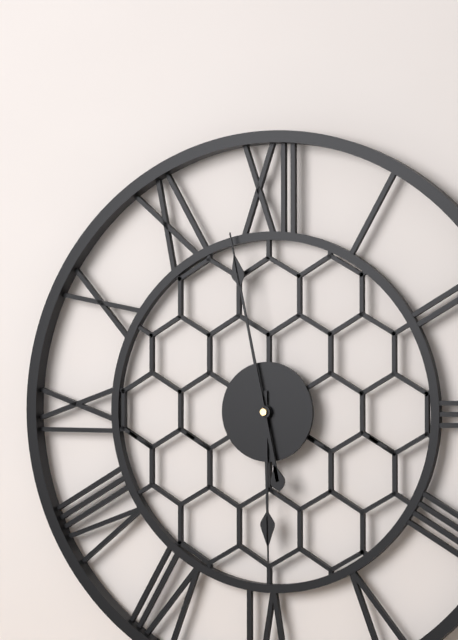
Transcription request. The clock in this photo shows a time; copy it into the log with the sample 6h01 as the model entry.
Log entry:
5h58
